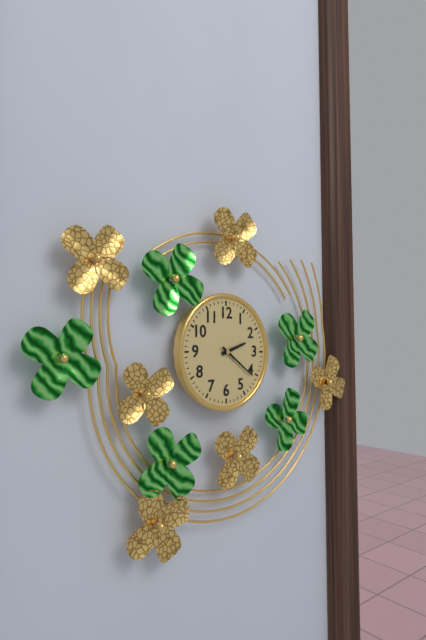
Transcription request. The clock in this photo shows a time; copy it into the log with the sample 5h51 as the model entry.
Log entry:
2h21
